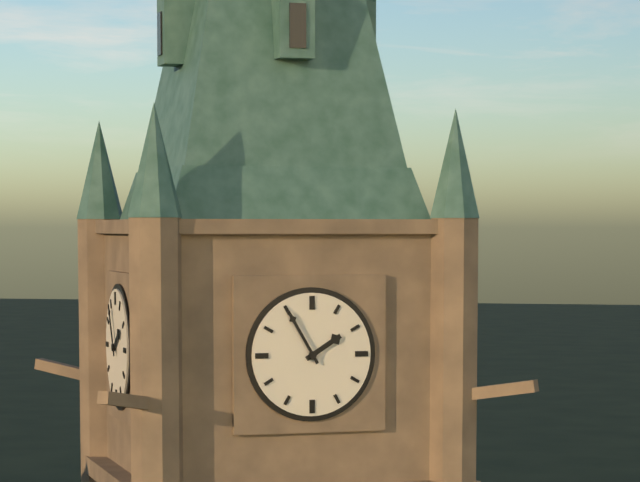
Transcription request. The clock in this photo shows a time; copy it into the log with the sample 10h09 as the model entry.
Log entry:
1h55
